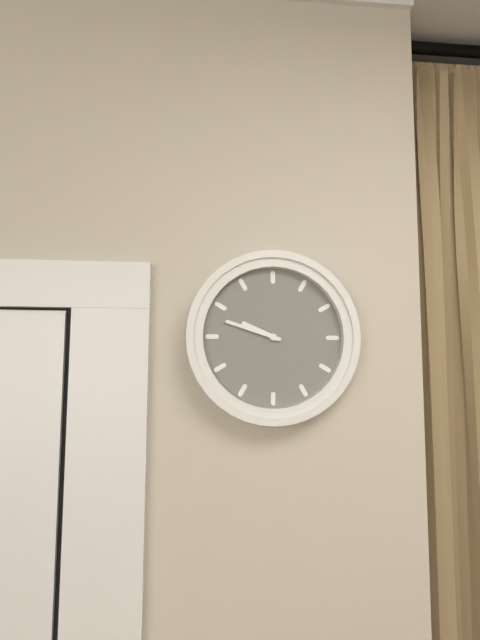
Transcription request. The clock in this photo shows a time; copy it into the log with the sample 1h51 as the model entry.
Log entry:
9h48
